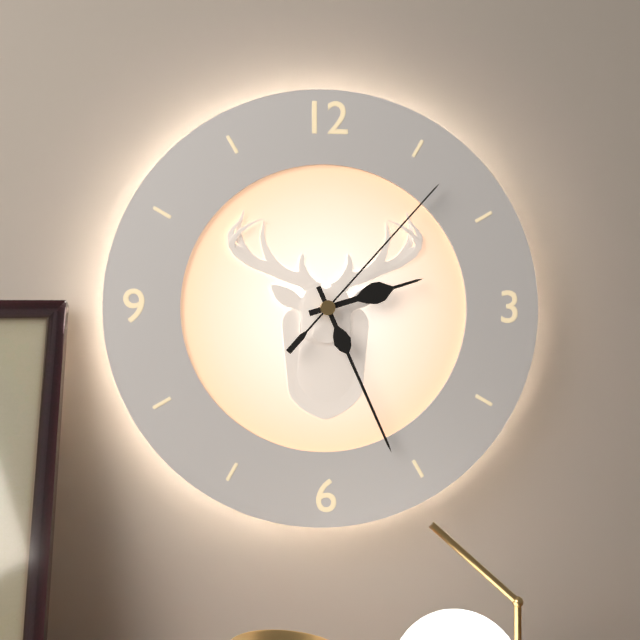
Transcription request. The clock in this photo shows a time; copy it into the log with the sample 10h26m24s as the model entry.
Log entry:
2h26m07s
